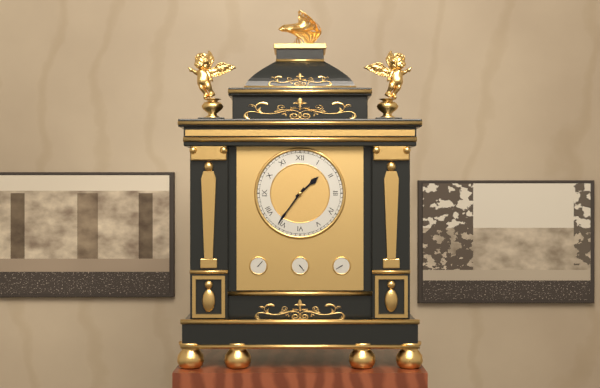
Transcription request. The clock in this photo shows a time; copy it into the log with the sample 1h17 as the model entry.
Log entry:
1h36
